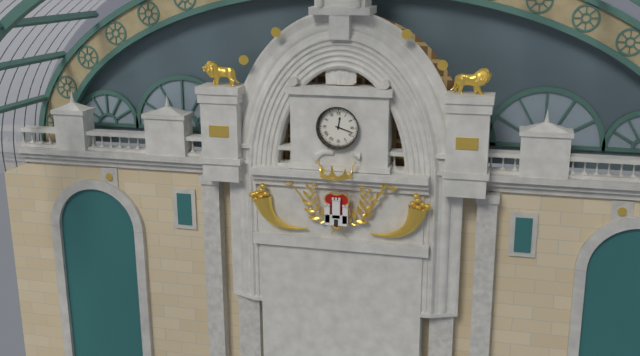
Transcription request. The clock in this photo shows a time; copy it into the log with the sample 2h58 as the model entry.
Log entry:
12h18
